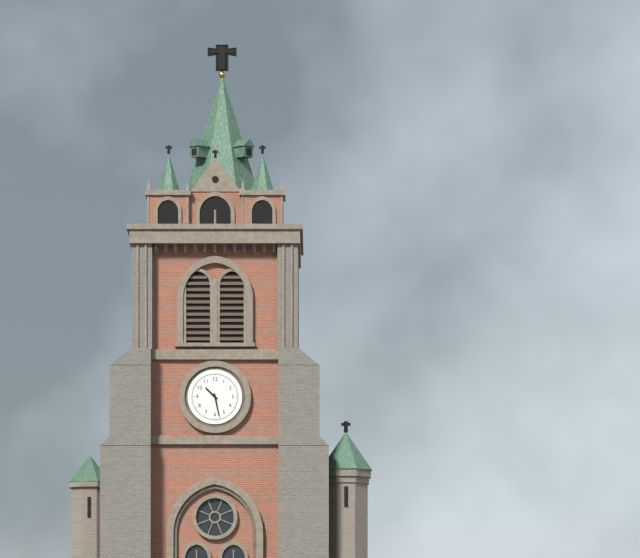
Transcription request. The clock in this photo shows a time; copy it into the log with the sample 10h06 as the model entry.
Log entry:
10h28
